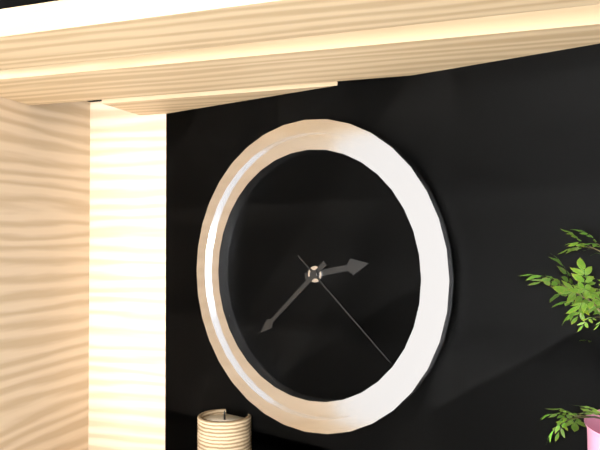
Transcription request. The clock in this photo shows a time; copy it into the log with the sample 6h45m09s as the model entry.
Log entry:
2h38m22s
